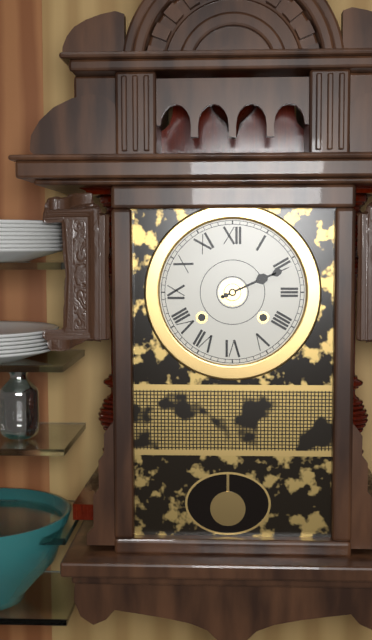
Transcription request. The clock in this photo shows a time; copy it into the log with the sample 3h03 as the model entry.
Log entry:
2h11
